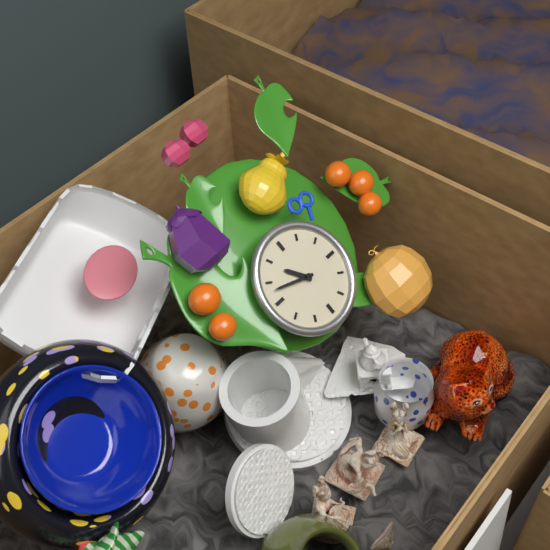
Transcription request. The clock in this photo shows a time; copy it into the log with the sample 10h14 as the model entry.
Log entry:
10h48
